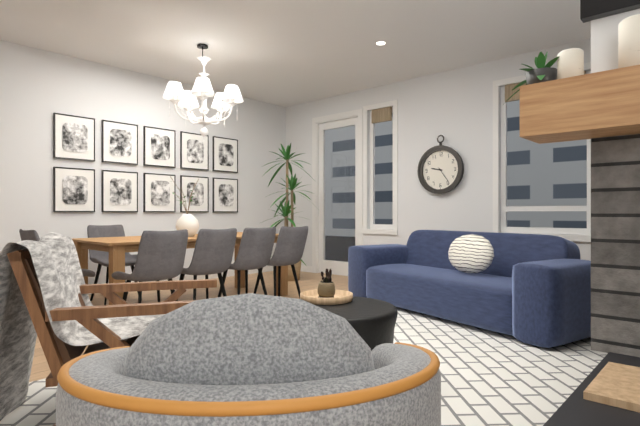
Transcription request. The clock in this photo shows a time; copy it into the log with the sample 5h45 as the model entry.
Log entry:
9h24
